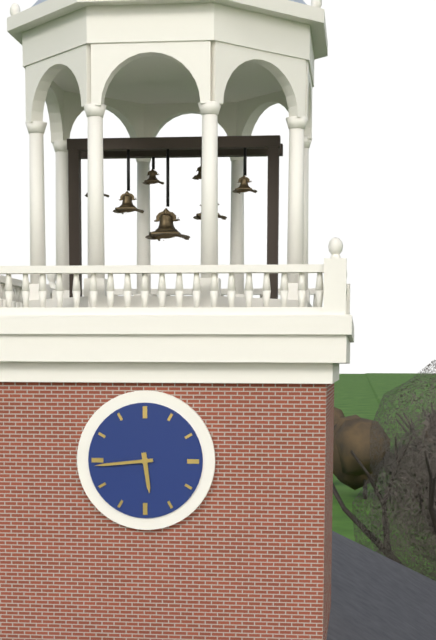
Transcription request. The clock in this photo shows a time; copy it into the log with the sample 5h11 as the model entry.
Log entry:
5h44
